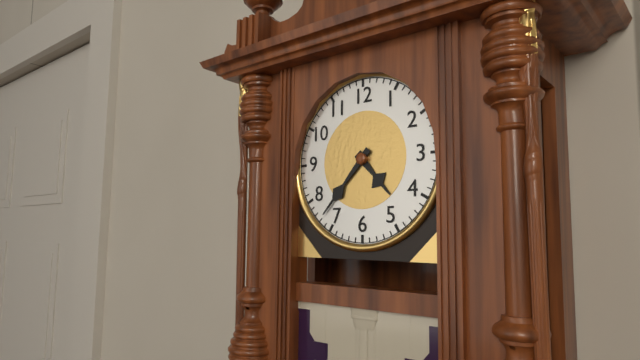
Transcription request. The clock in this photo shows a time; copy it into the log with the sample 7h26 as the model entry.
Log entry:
4h37
